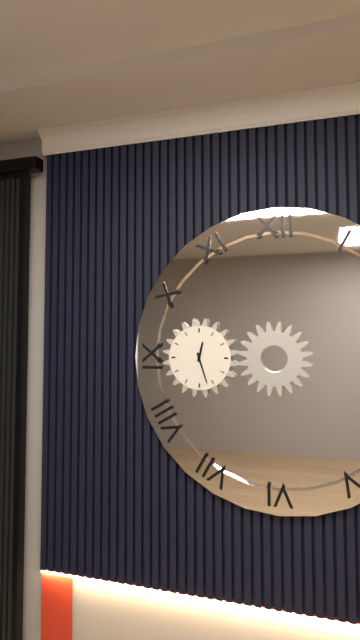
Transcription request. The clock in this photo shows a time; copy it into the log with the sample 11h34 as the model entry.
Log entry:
12h27
